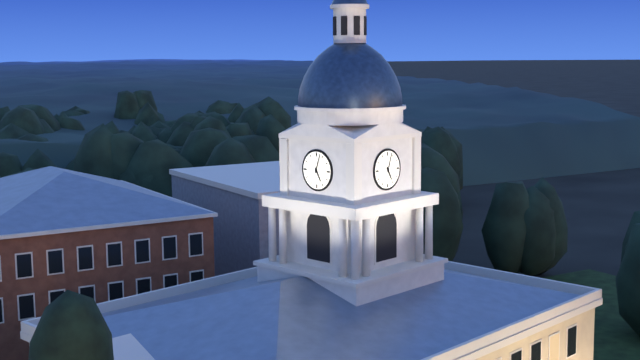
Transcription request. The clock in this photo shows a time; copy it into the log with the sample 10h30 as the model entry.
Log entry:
5h03
